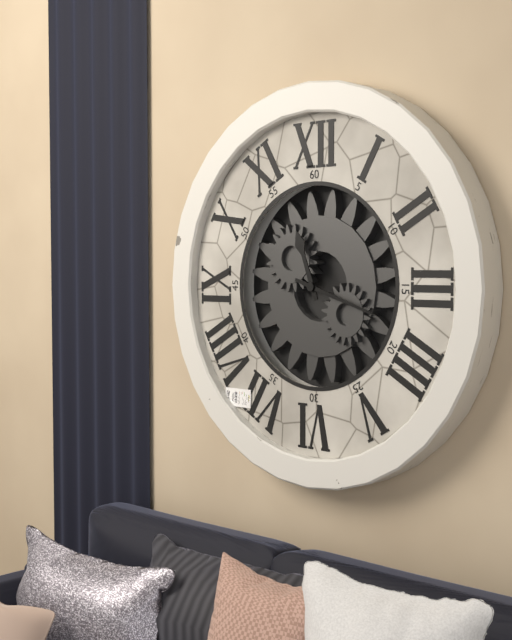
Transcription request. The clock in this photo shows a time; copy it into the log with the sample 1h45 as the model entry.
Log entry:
11h18
